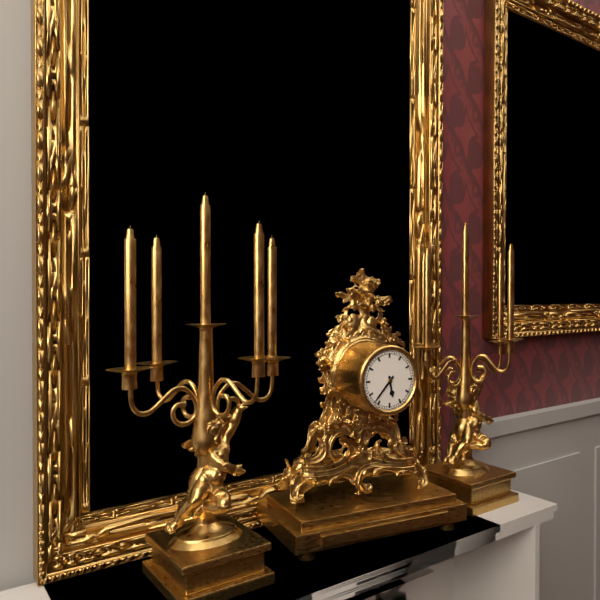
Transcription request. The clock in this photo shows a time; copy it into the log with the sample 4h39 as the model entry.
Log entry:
5h37
